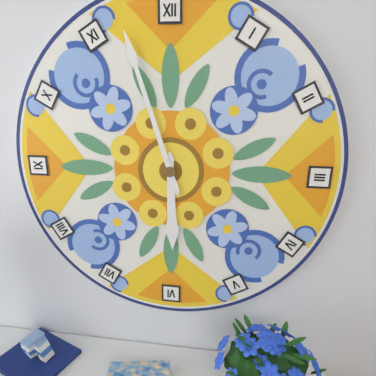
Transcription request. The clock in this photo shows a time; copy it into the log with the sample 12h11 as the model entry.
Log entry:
5h57
